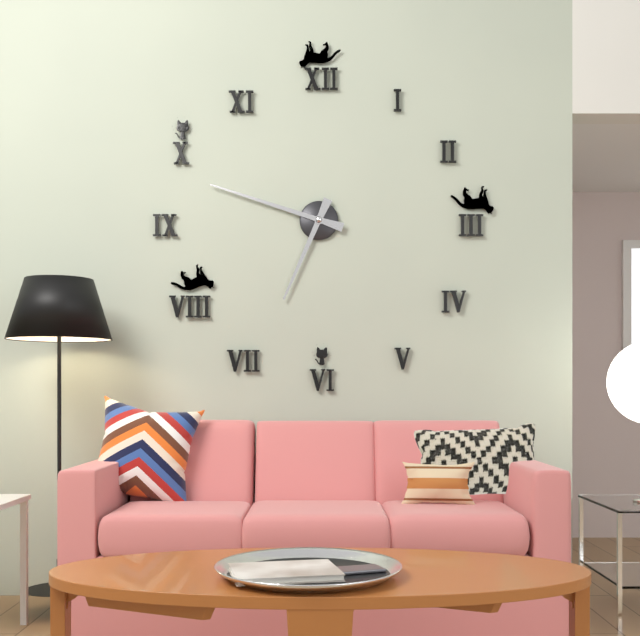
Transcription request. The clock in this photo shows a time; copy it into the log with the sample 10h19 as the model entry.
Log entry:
6h48
